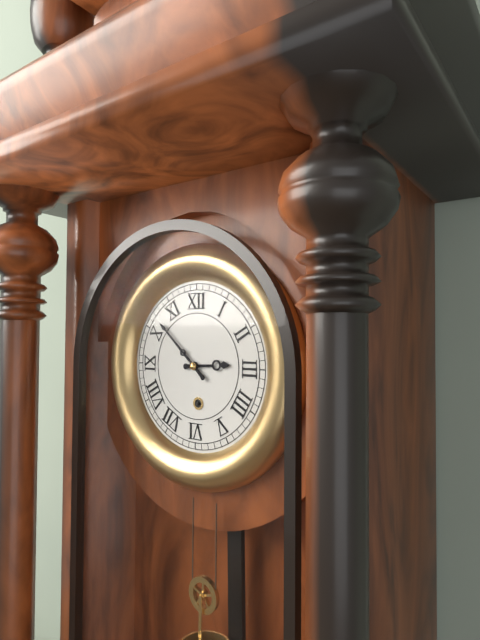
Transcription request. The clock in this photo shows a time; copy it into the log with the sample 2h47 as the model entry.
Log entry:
2h52
